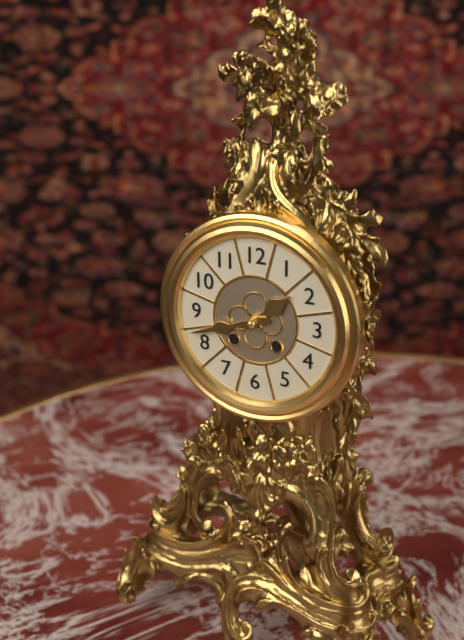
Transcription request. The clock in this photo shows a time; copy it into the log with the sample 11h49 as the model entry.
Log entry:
1h42
